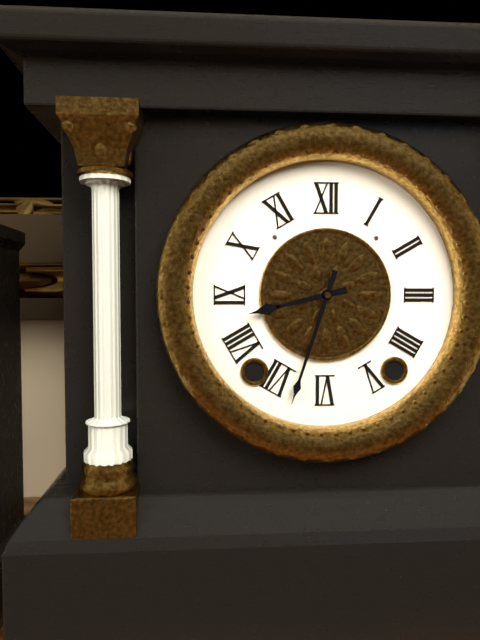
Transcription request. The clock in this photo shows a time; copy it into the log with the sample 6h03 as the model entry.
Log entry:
8h33
